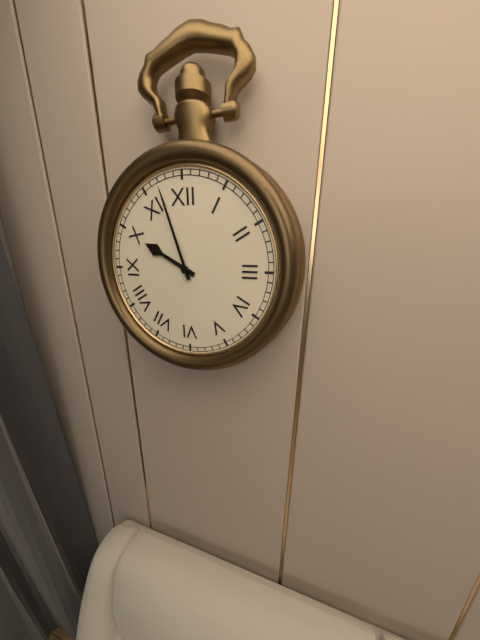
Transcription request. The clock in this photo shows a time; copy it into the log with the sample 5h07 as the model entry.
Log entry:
9h57
